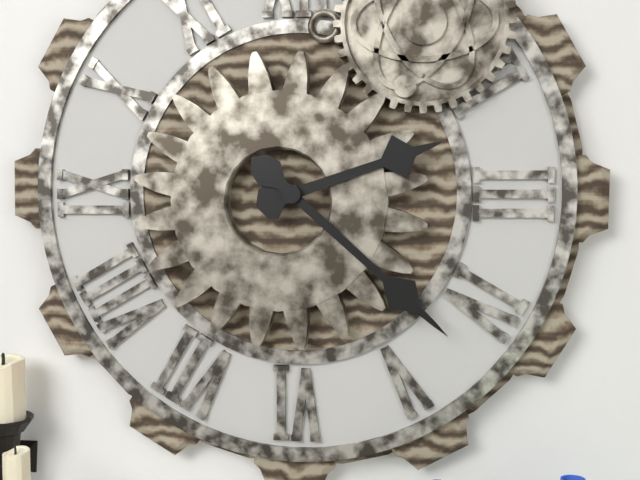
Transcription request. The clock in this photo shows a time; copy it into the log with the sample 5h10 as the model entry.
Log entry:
2h22
